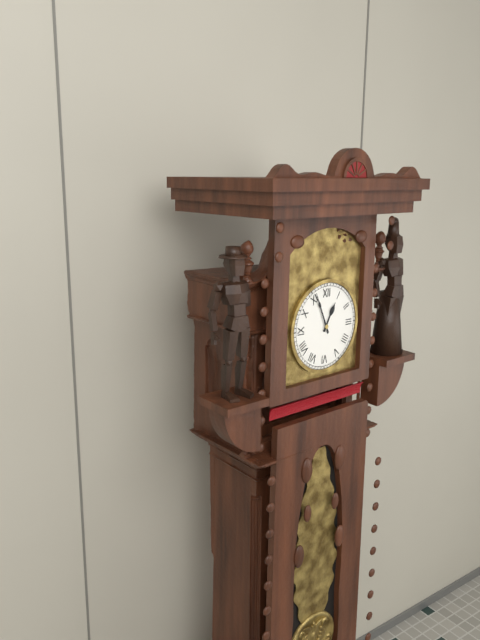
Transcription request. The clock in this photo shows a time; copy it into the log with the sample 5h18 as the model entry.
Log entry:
12h56
